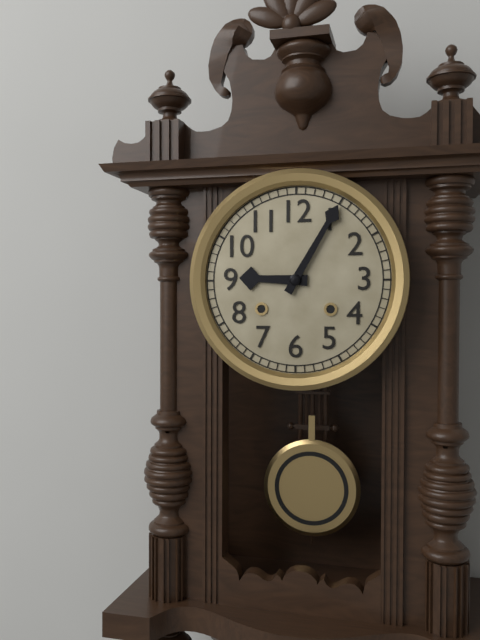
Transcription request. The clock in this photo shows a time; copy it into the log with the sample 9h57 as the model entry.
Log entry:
9h05
